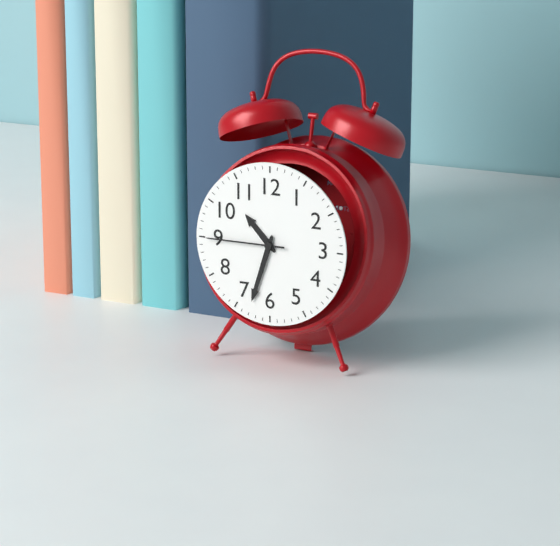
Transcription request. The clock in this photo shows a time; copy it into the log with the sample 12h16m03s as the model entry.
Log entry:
10h33m45s
